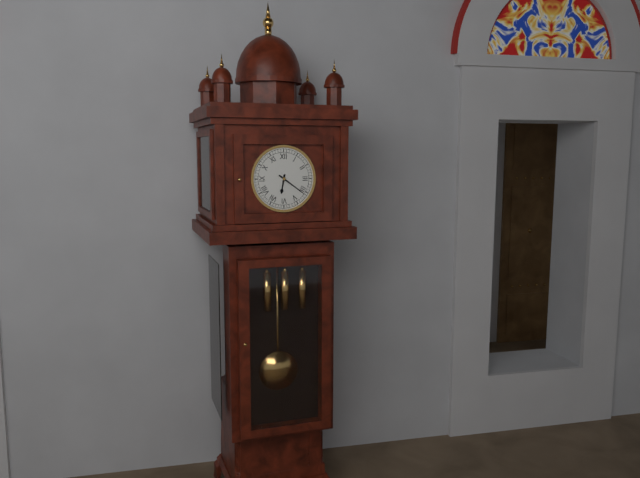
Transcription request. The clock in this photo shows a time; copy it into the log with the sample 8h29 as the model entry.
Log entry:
6h21
